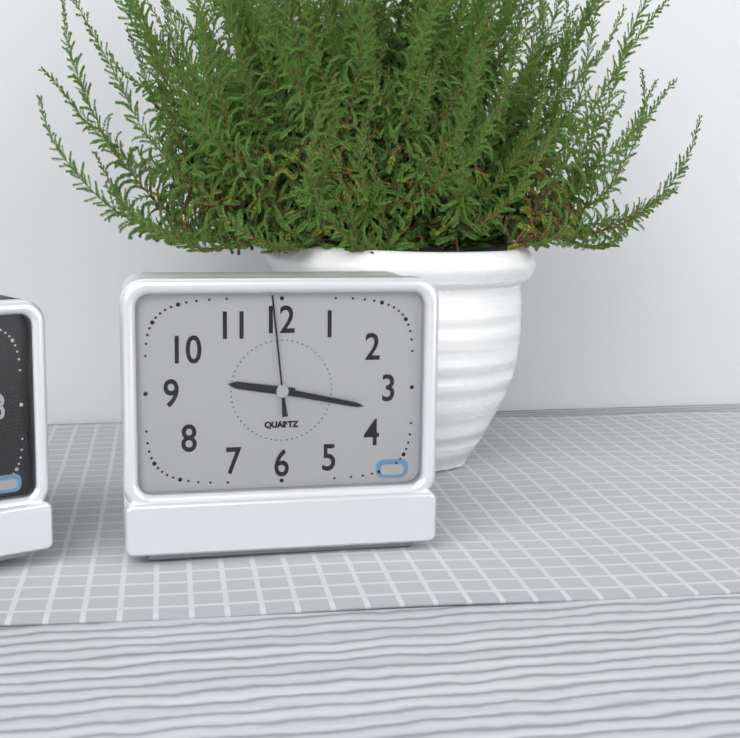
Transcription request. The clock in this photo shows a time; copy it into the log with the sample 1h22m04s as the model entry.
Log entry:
9h17m59s
